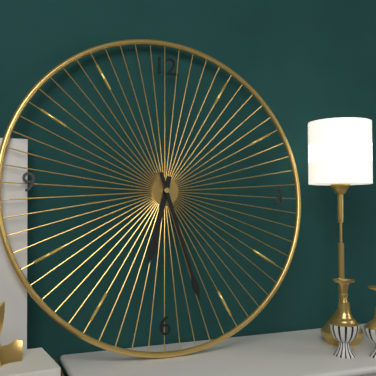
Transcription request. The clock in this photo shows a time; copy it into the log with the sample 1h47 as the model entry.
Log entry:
6h27
